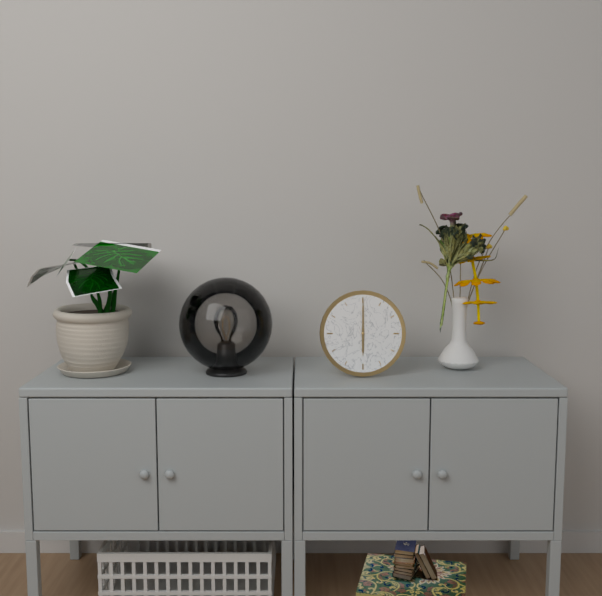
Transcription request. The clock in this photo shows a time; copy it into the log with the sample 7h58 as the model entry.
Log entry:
6h00
